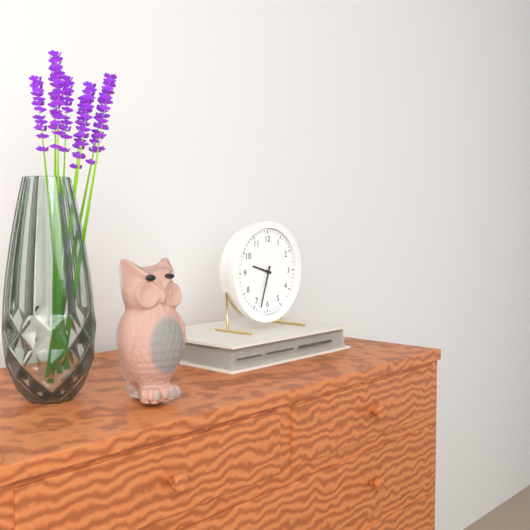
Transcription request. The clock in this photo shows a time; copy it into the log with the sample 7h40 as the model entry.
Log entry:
9h33
